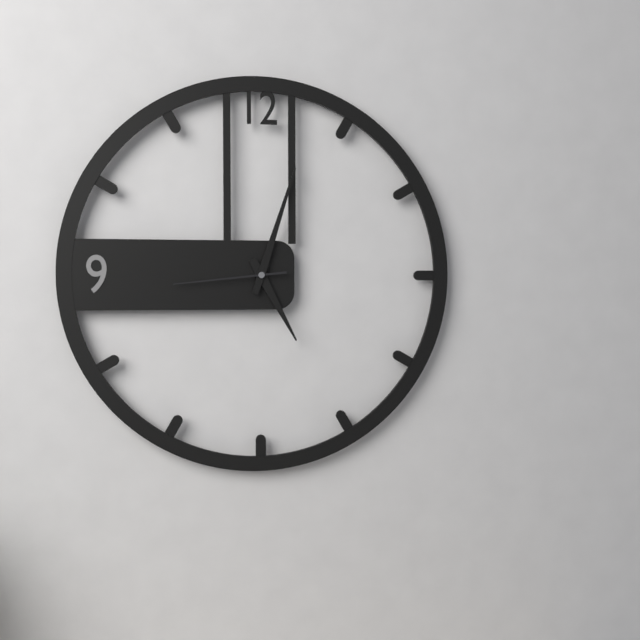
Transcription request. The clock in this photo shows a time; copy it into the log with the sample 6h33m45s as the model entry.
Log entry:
5h03m44s
